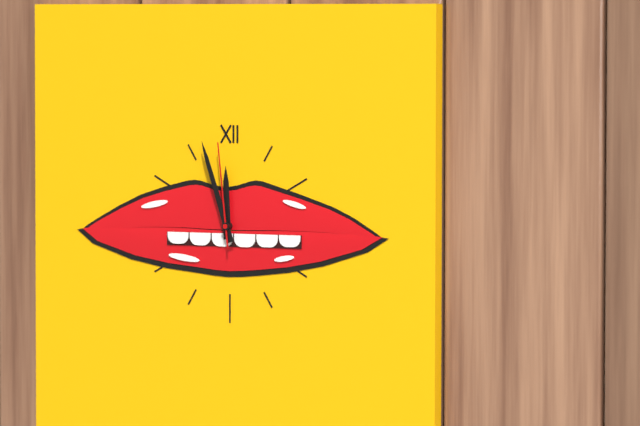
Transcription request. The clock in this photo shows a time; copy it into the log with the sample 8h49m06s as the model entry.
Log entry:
11h57m59s
